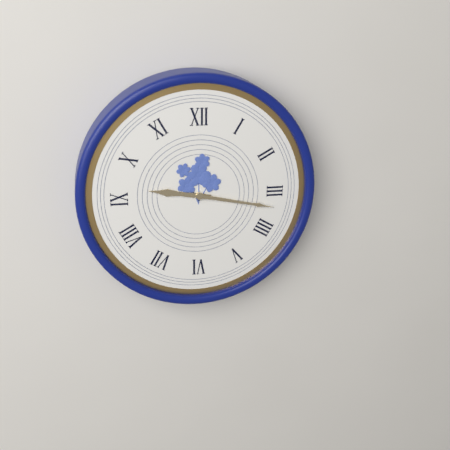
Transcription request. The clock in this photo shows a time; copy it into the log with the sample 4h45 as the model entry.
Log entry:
9h17
